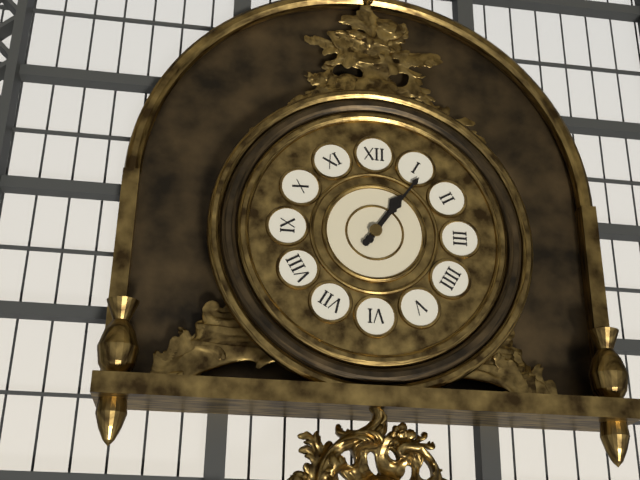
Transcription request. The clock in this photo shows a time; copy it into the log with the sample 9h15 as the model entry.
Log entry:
1h06
